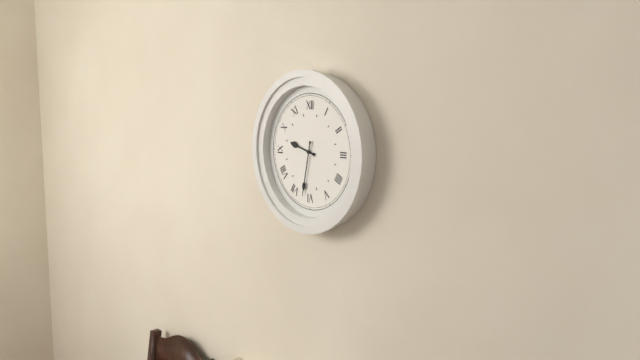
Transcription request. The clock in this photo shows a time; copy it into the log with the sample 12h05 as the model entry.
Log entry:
9h32
